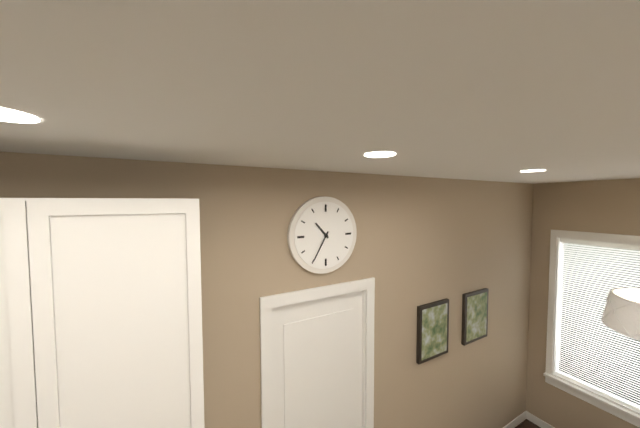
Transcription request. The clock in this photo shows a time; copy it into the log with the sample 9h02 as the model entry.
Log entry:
10h35
